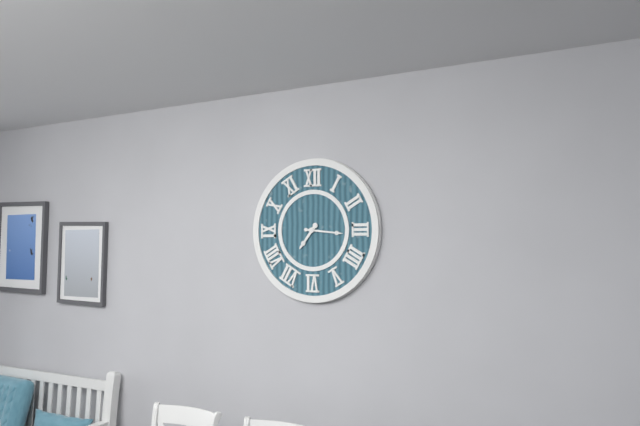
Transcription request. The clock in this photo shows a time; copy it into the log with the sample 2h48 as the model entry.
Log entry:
7h16
